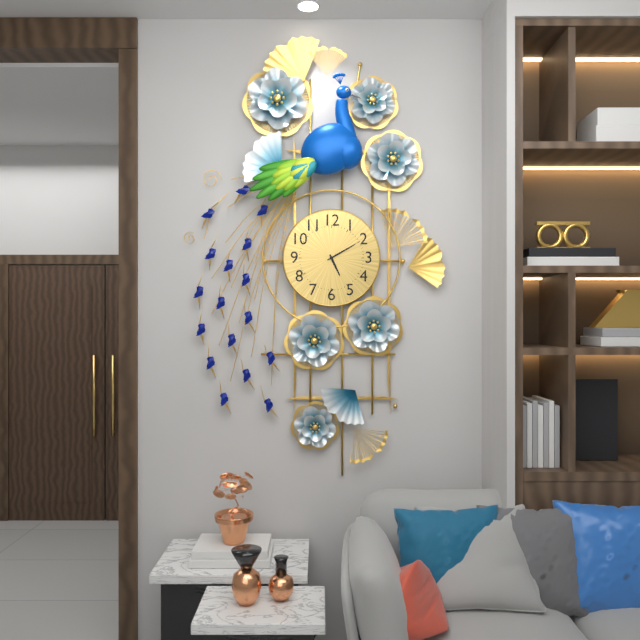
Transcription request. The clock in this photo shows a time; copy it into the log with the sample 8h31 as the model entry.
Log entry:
5h10
